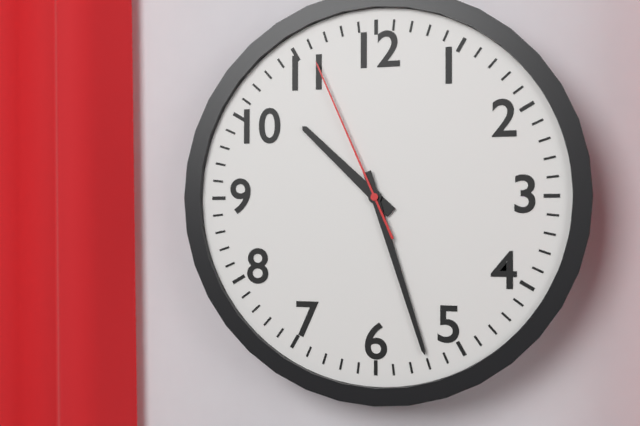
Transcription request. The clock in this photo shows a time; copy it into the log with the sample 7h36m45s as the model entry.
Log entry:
10h27m56s
